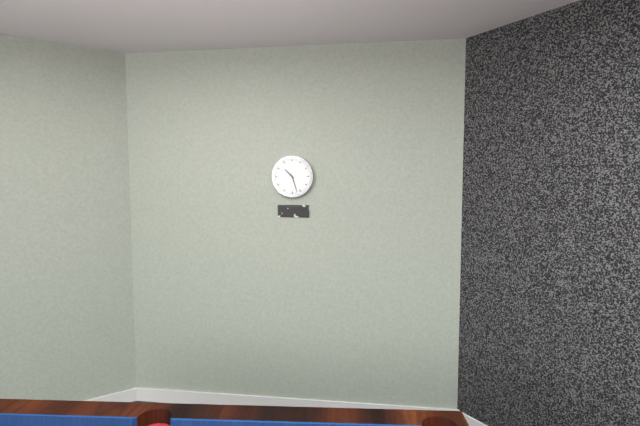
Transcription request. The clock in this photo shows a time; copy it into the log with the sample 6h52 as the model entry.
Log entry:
10h27
